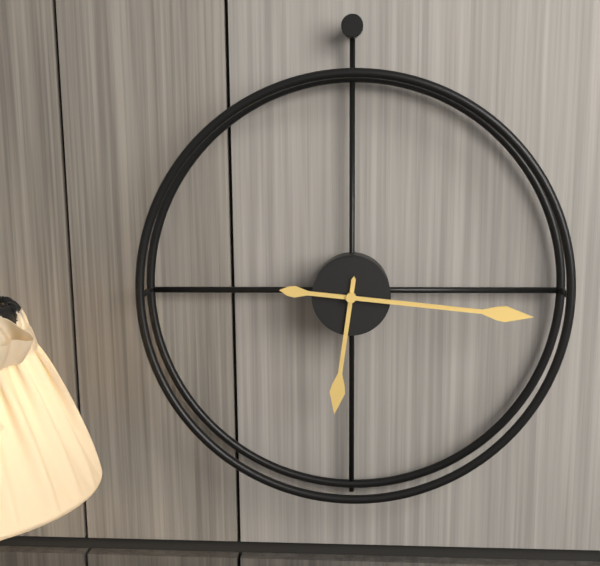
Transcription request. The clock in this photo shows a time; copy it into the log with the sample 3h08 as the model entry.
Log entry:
6h16
